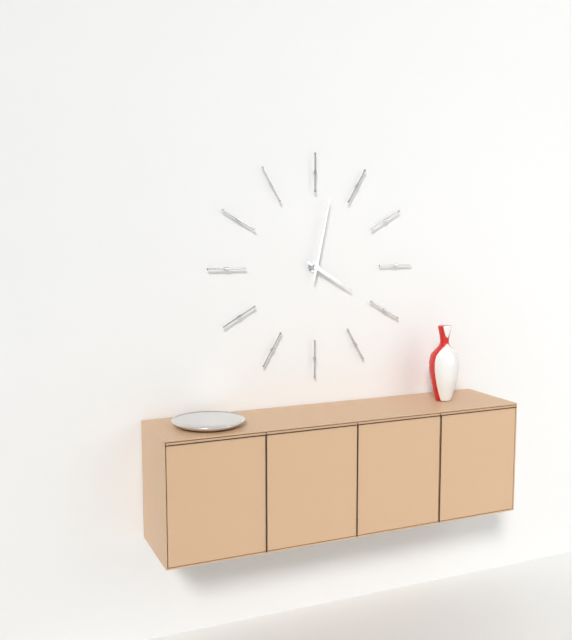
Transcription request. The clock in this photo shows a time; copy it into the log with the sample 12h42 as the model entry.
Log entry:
4h02
